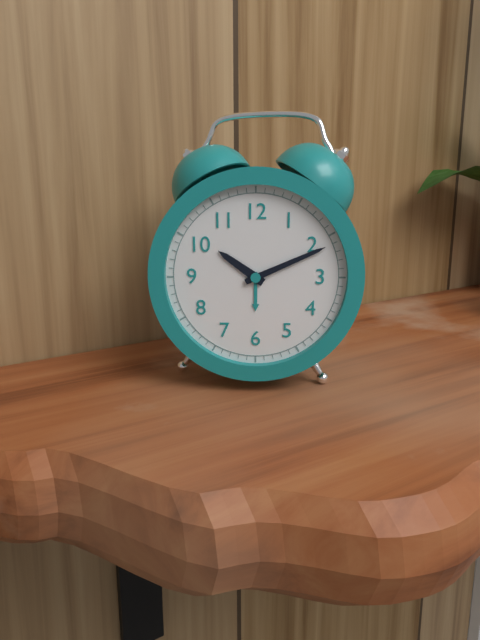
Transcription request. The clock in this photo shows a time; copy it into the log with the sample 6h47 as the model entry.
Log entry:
10h11
